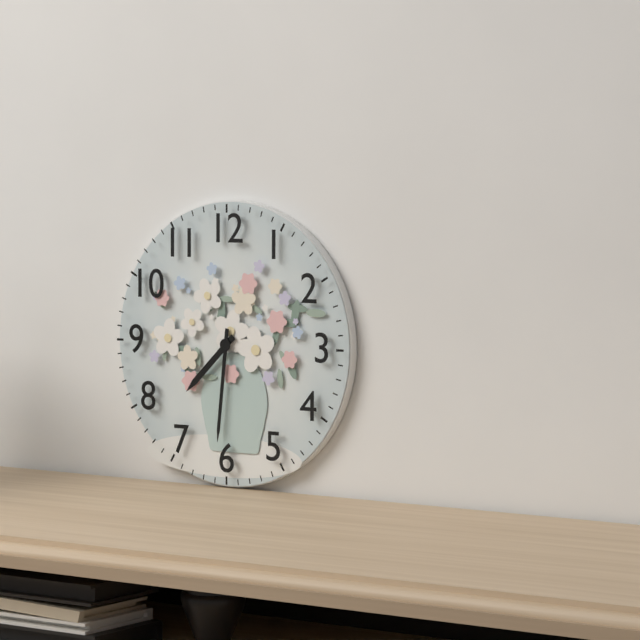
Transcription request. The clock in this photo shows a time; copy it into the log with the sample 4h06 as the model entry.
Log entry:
7h31
